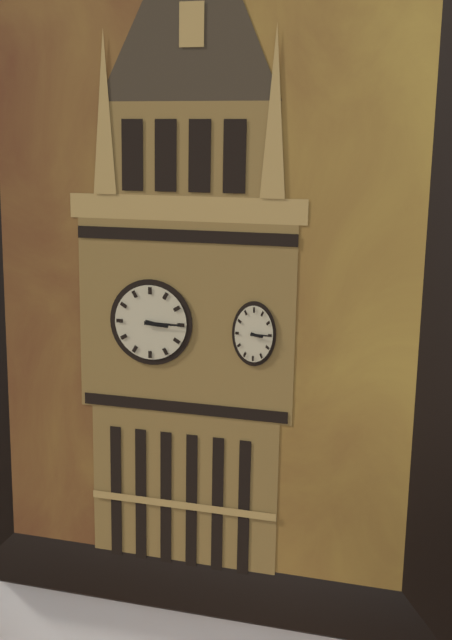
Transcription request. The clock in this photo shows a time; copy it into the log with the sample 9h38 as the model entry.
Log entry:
3h15
